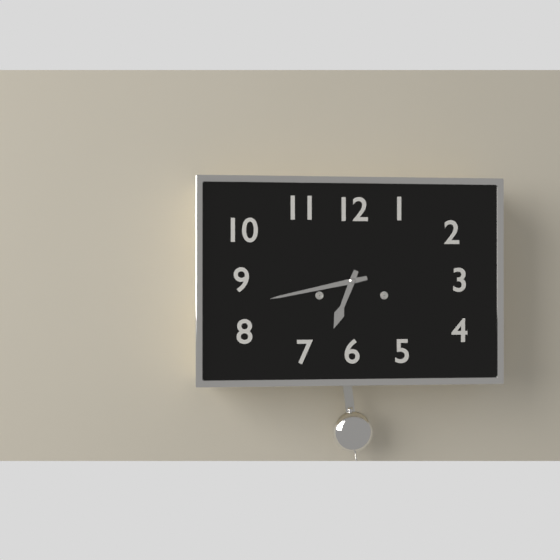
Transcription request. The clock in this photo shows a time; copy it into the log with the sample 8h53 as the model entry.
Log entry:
6h43
